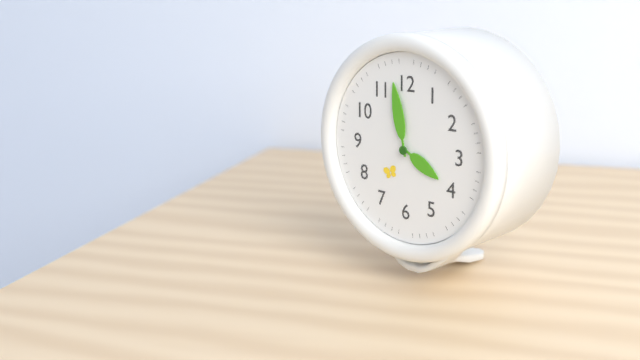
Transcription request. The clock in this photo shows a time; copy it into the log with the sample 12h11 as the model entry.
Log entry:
3h58
